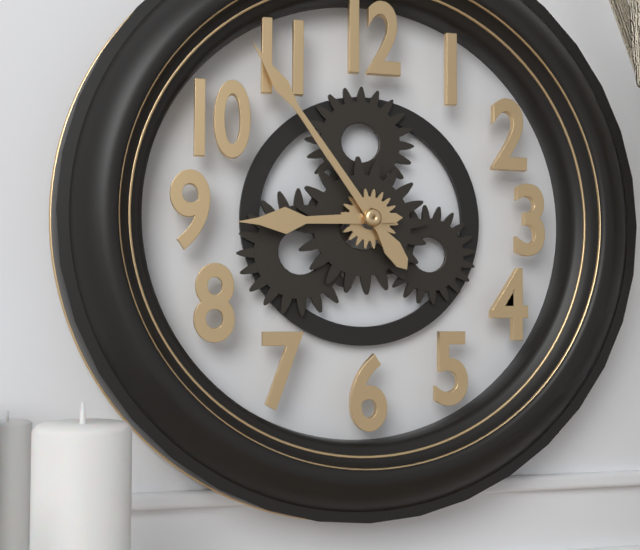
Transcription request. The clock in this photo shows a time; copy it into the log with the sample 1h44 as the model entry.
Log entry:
8h54
